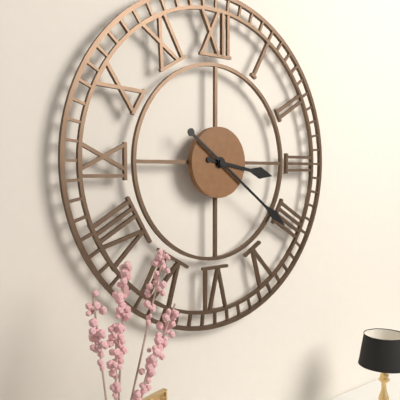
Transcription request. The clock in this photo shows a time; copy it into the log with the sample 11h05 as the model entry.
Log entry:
3h21
